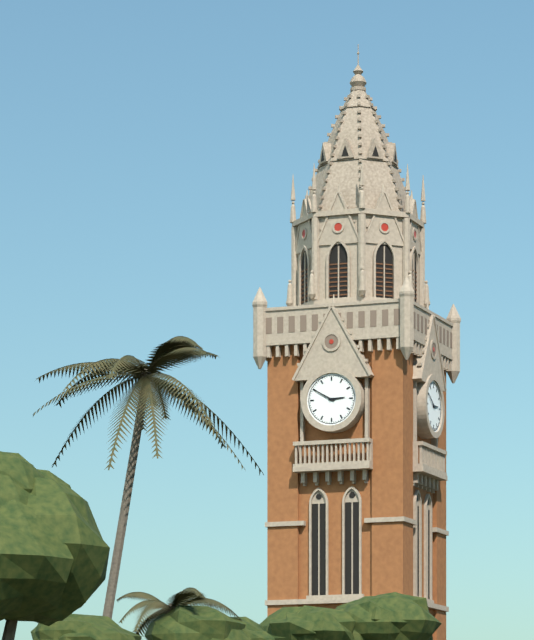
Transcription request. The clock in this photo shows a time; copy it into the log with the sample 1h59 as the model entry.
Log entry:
2h50
